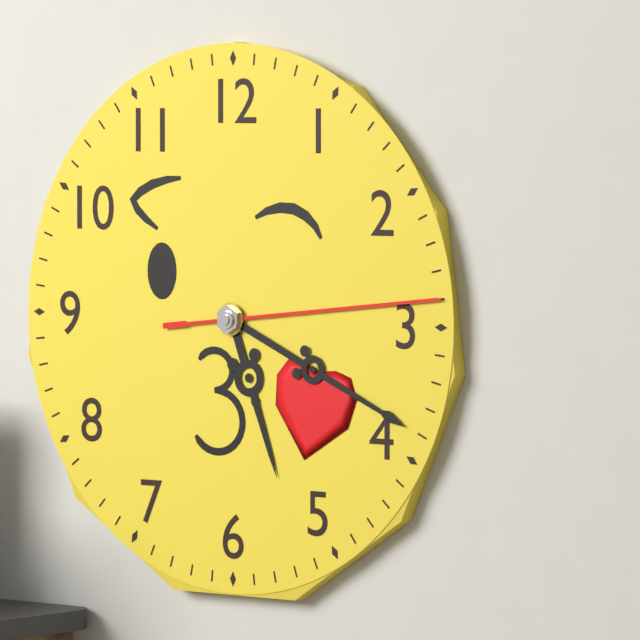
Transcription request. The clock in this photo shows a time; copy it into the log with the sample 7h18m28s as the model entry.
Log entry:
5h19m14s
